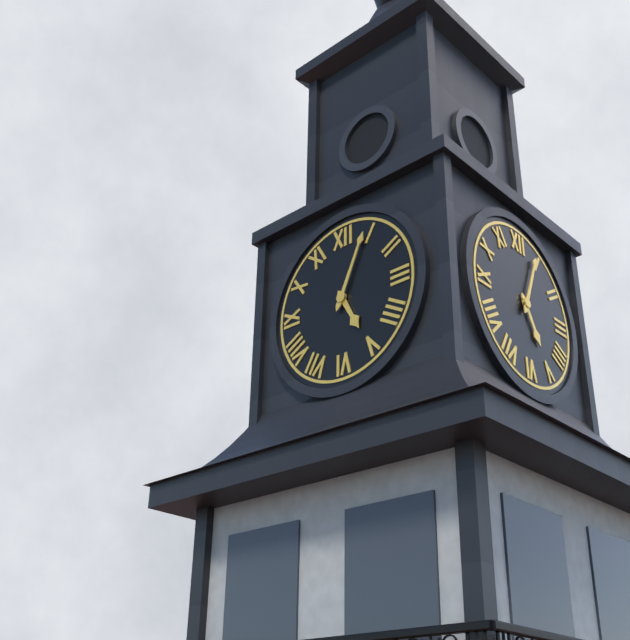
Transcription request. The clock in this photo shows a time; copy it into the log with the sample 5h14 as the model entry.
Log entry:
5h04
